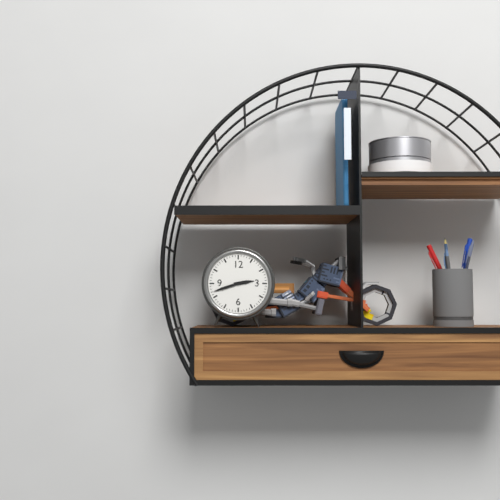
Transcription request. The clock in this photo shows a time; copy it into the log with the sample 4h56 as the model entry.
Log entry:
2h42
